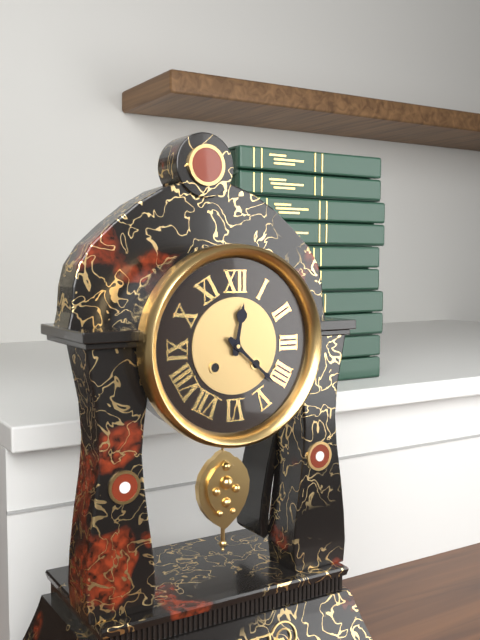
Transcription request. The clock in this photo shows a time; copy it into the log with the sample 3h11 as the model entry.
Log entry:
12h22
